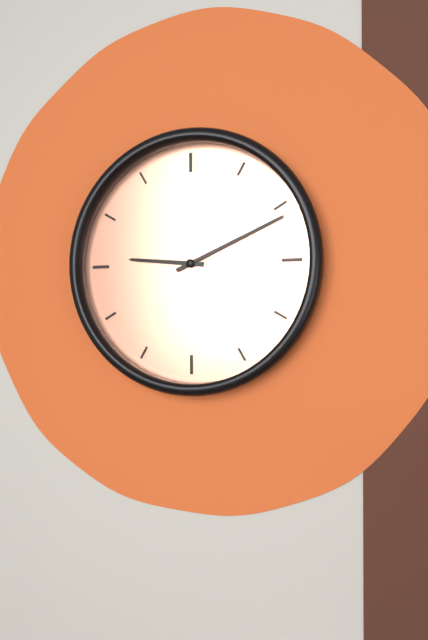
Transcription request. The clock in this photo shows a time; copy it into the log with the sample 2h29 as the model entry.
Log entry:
9h11
